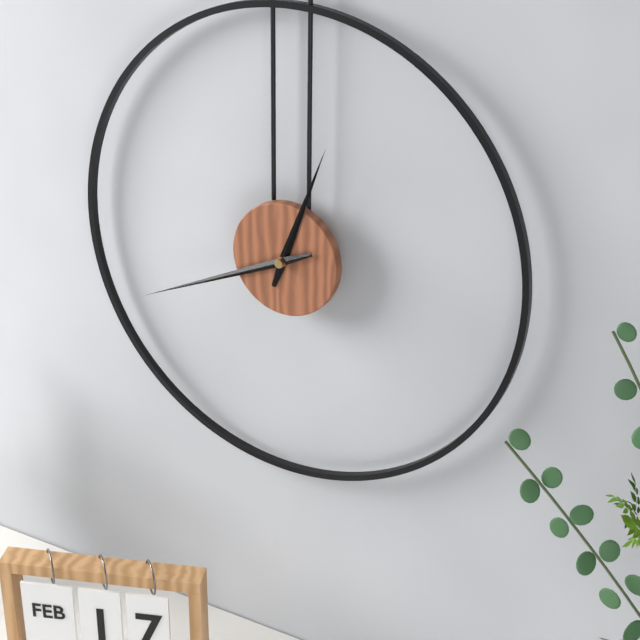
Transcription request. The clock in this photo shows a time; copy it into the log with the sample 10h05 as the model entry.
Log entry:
12h41
